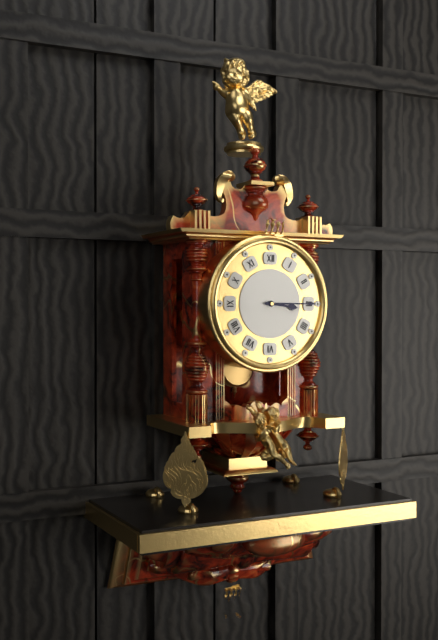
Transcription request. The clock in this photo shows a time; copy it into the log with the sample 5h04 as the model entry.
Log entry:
3h15
